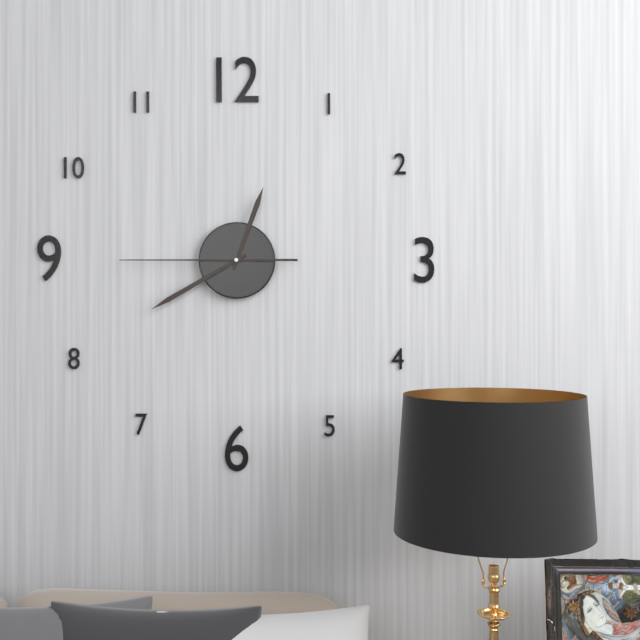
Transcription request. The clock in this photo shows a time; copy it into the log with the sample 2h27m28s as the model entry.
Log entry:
12h40m45s
